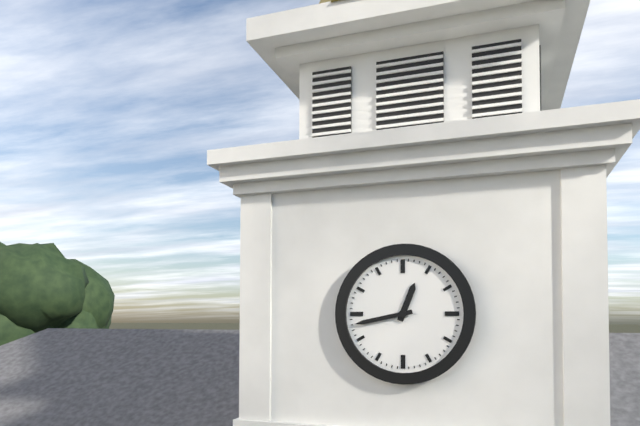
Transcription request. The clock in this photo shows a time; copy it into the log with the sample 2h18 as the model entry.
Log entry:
12h43
